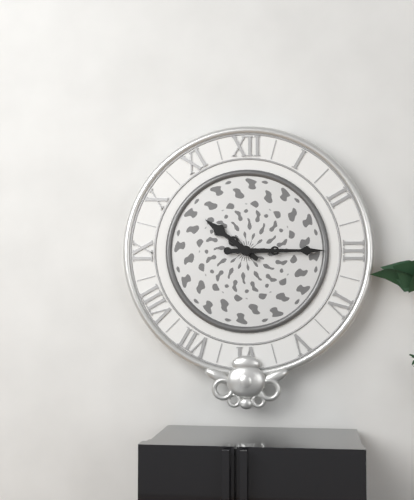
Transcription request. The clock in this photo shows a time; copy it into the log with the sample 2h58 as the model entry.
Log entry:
10h15
